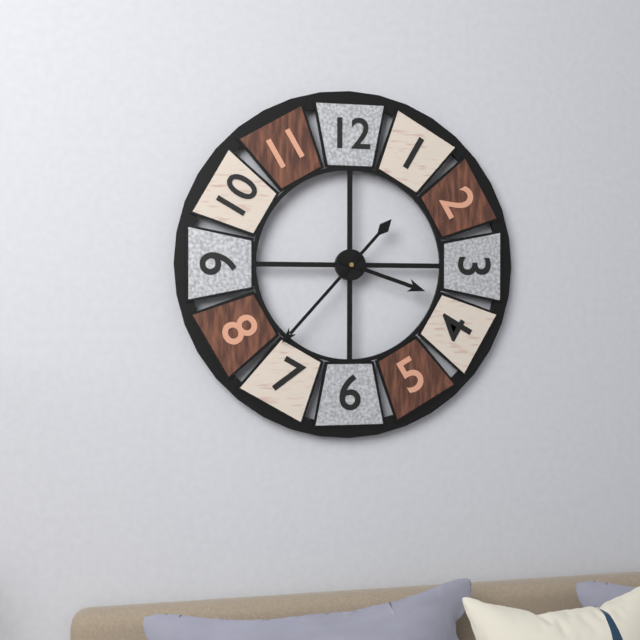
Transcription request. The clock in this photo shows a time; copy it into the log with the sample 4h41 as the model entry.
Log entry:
3h37
